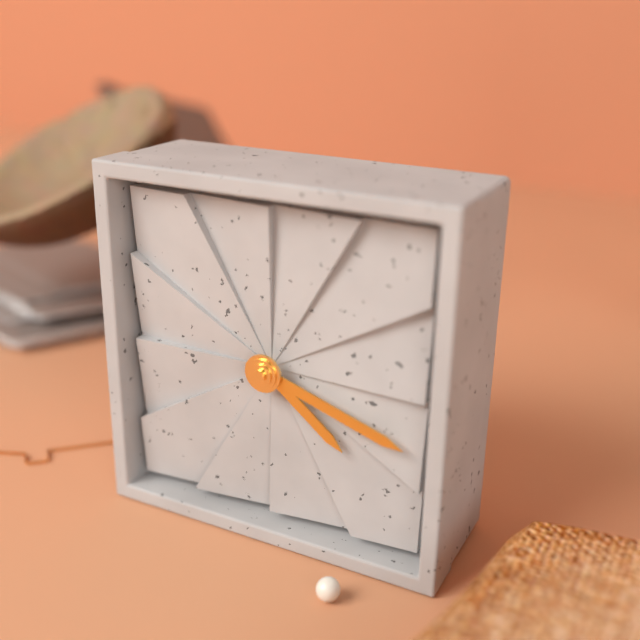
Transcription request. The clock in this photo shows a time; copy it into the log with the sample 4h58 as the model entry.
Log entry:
4h18
